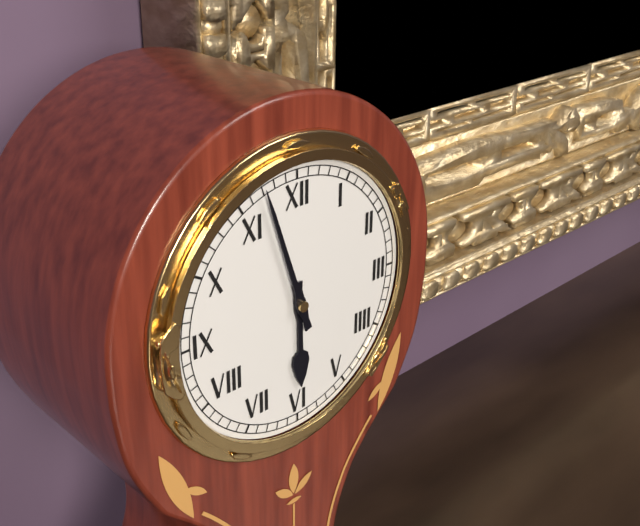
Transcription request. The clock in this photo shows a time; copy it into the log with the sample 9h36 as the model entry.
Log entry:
5h57
